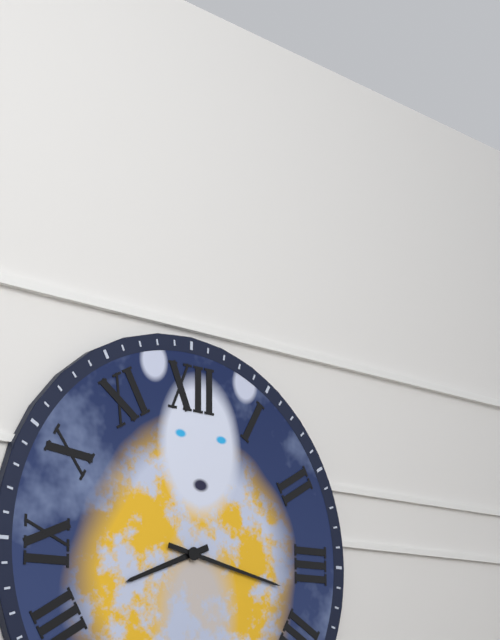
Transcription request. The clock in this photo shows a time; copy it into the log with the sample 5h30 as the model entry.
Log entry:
8h17
